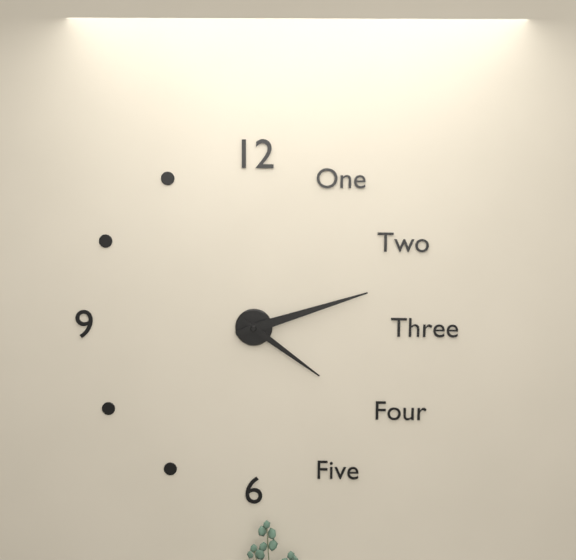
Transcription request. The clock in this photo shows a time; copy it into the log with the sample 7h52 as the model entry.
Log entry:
4h12
